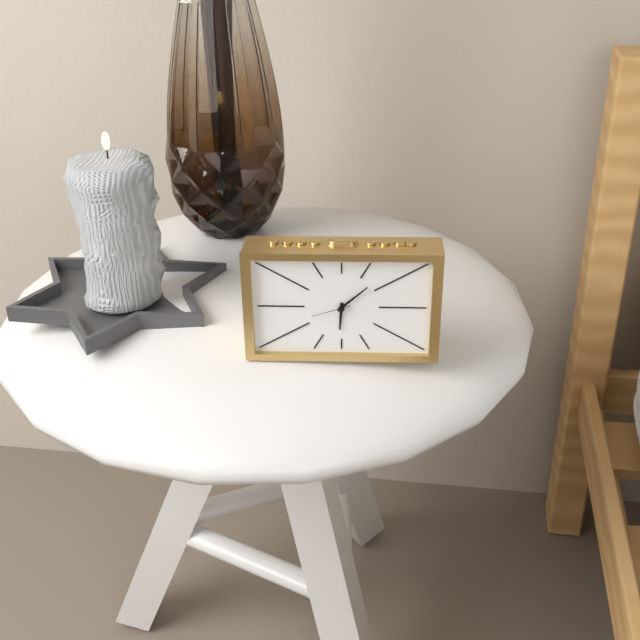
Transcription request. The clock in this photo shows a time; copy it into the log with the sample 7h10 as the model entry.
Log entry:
6h08
